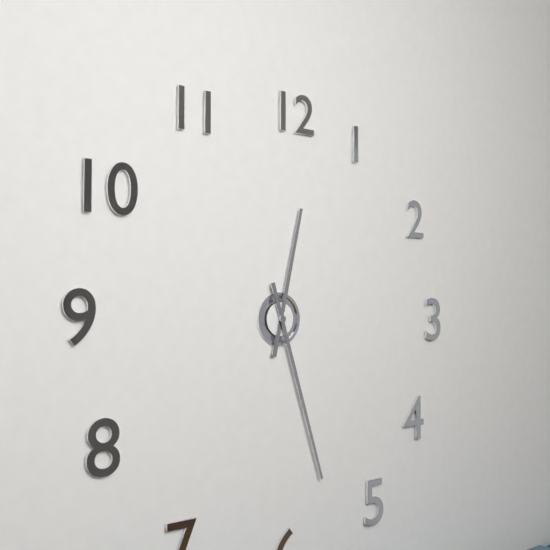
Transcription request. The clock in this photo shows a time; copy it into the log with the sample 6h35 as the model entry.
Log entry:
12h27
